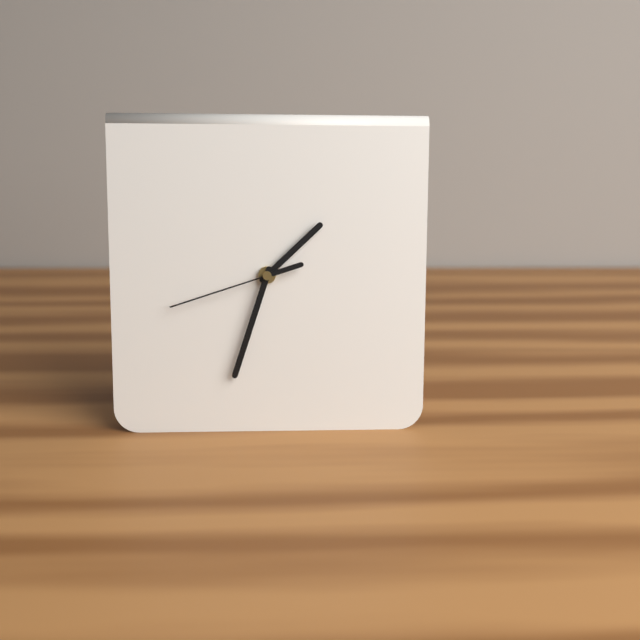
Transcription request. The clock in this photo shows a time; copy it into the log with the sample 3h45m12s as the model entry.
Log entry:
1h33m42s
